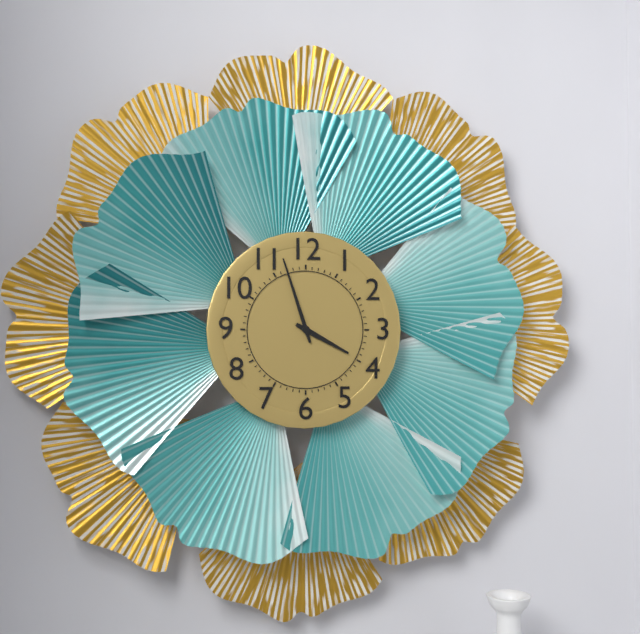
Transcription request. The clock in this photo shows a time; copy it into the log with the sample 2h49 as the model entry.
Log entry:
3h57
